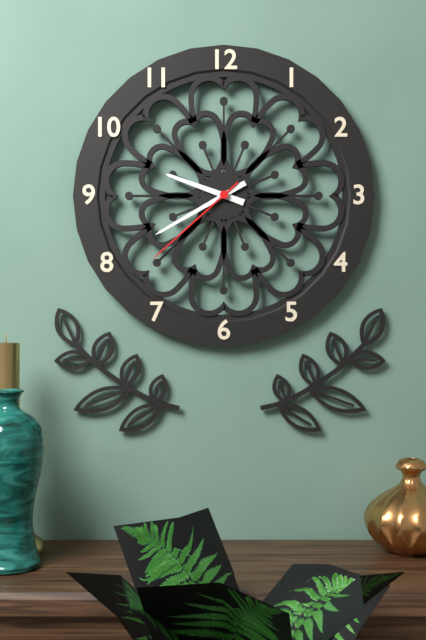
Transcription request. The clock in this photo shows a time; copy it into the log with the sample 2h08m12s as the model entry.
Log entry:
9h40m38s
